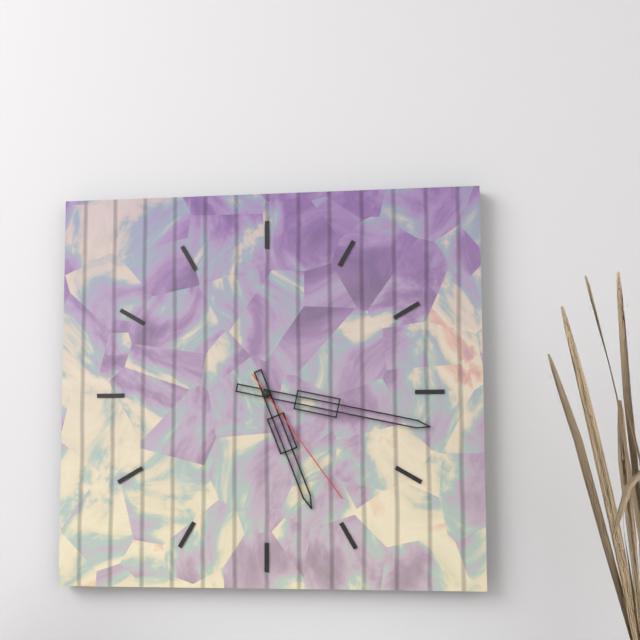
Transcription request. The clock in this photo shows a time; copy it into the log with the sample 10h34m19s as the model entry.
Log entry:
5h17m24s
